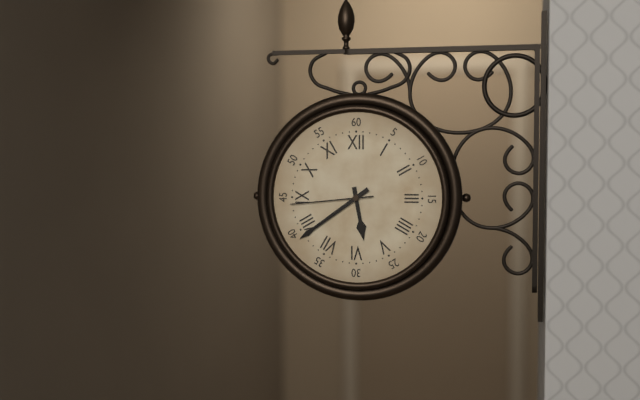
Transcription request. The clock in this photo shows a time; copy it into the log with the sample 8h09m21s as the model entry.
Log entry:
5h39m44s
